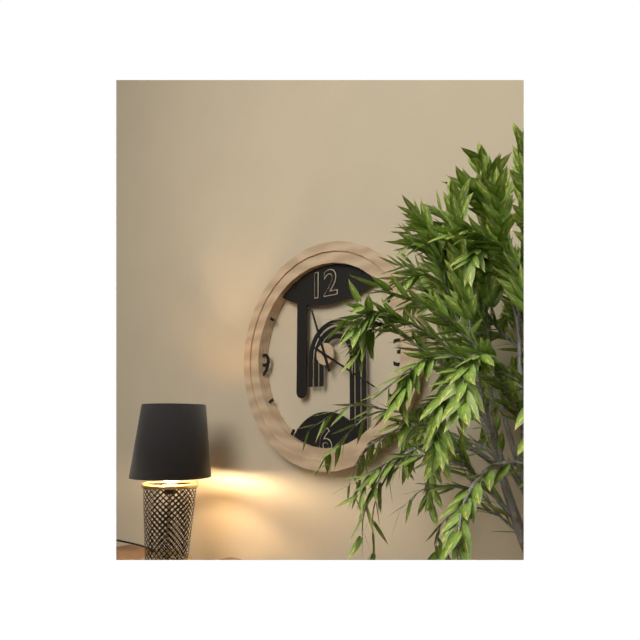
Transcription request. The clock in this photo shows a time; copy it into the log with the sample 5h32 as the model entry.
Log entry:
11h20
